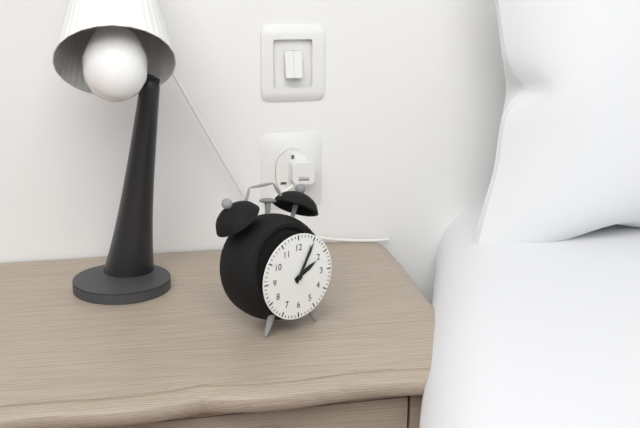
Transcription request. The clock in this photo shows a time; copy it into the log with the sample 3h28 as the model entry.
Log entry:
2h05
